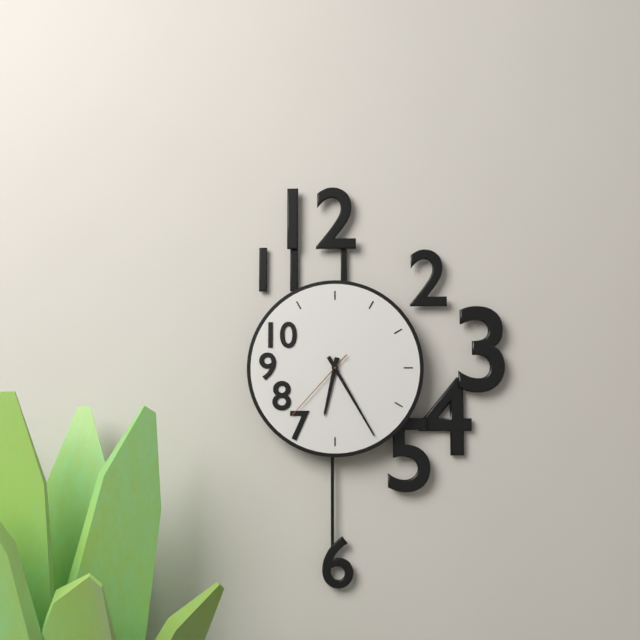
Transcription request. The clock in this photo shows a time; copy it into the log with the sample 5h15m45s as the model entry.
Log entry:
6h25m37s
